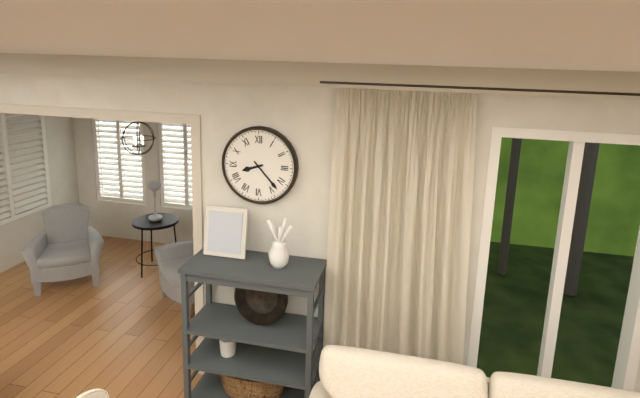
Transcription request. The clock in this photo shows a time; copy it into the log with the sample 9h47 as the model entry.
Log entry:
8h23
